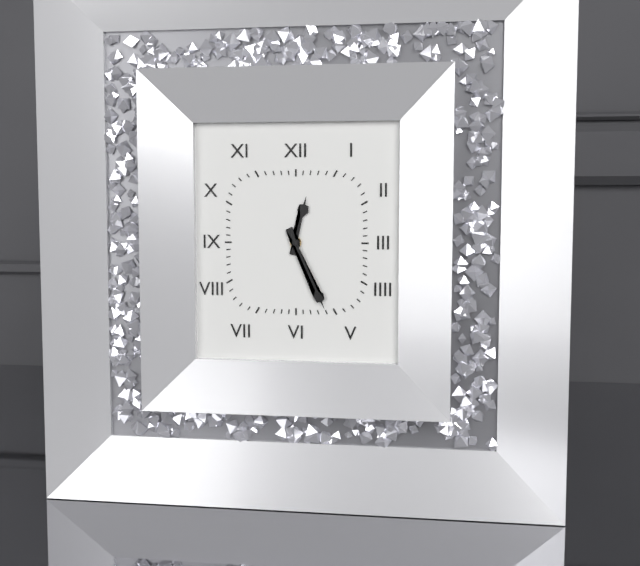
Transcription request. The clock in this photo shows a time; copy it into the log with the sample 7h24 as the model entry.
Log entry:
12h26
